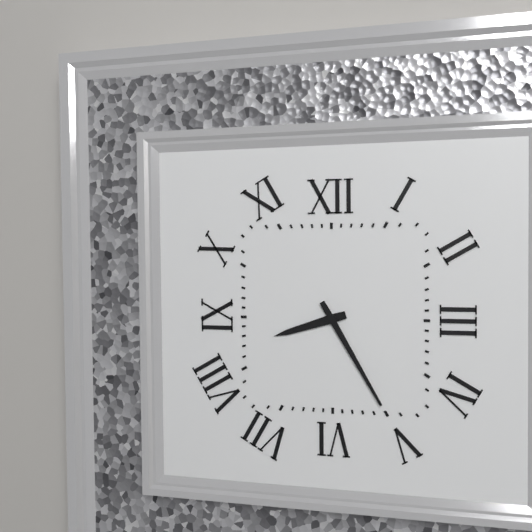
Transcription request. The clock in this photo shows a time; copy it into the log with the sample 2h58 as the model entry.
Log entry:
8h25
